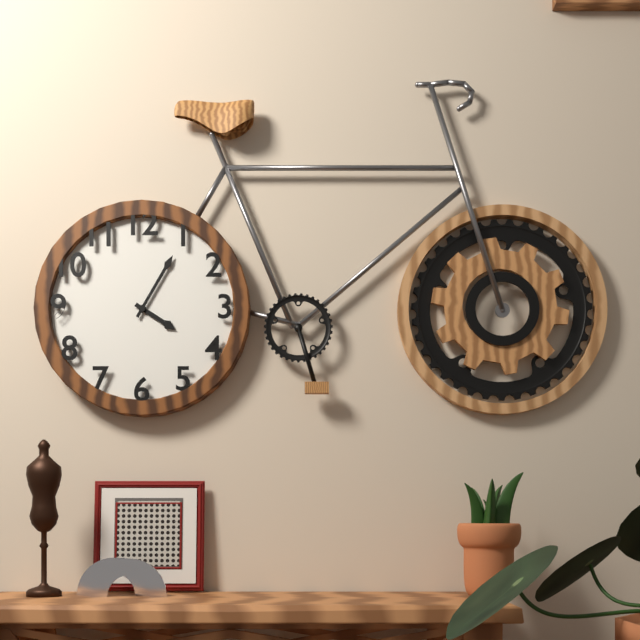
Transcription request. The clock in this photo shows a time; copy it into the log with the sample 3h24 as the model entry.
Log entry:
4h05
